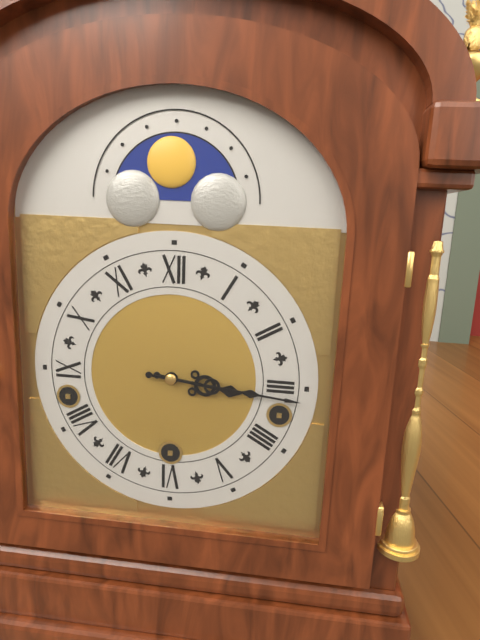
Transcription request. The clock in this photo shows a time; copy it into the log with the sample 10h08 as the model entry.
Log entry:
3h16
